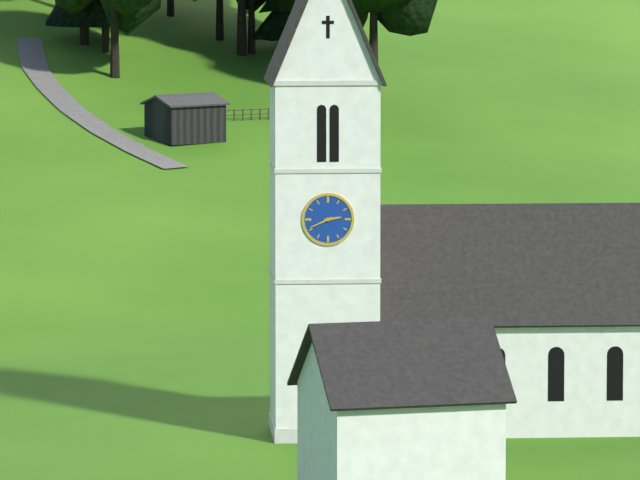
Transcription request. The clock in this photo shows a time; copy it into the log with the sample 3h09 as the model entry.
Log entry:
2h41
